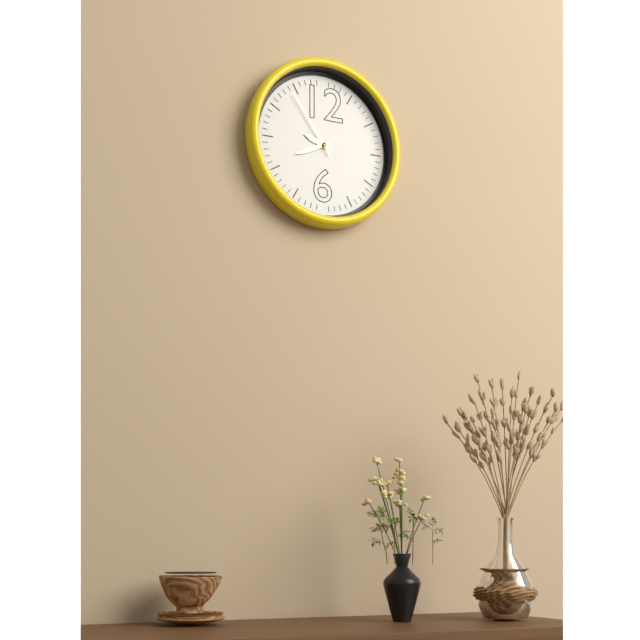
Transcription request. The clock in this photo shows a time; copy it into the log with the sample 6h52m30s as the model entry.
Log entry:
9h41m54s
